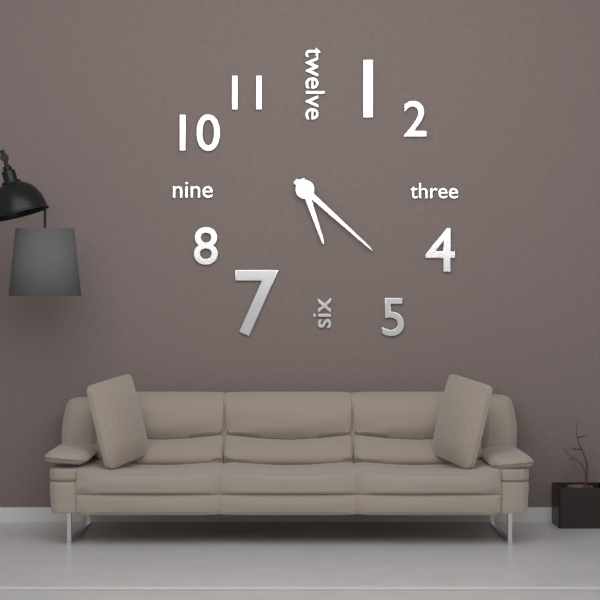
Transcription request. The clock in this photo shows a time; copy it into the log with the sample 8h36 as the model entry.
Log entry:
5h22
